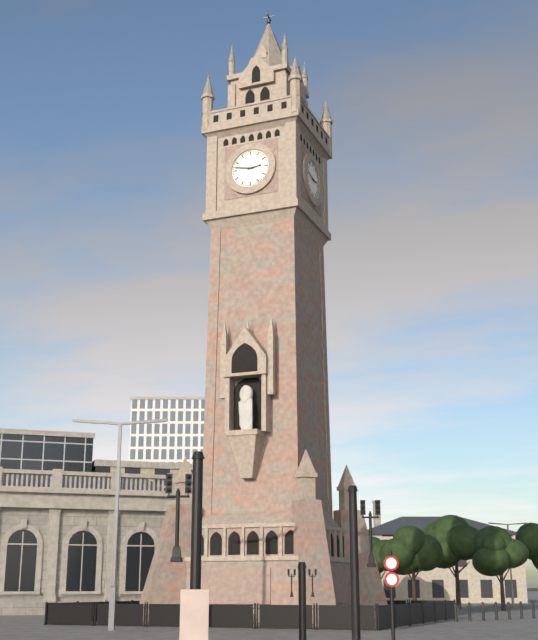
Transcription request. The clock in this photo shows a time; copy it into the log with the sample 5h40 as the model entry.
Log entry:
2h47
